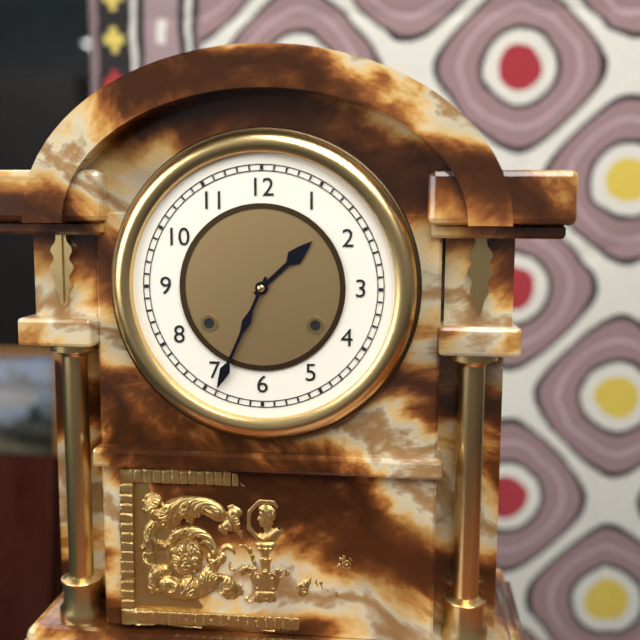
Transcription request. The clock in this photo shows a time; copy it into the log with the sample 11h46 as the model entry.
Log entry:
1h34
